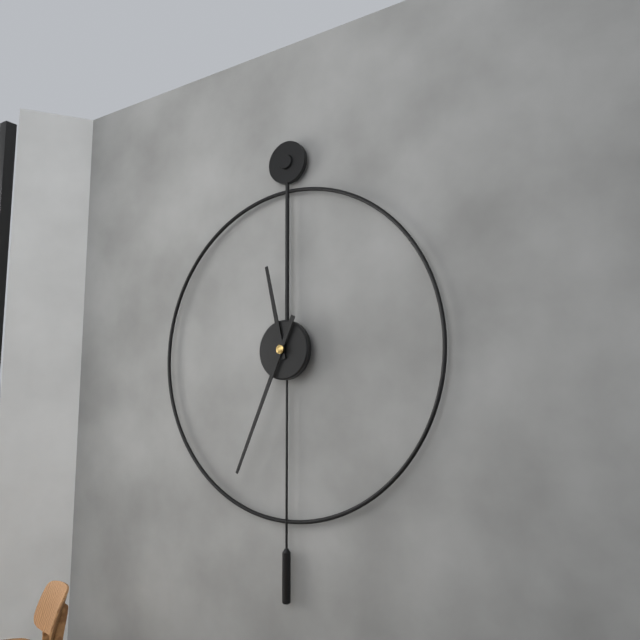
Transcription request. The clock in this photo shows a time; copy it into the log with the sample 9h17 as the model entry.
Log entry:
11h34
